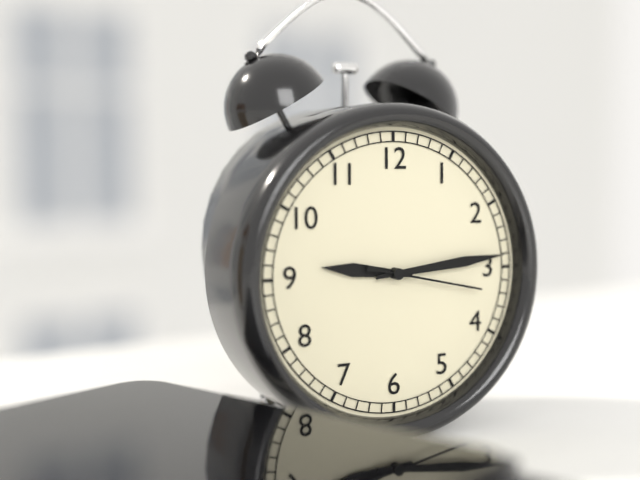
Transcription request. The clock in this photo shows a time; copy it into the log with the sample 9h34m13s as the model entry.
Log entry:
9h14m17s
